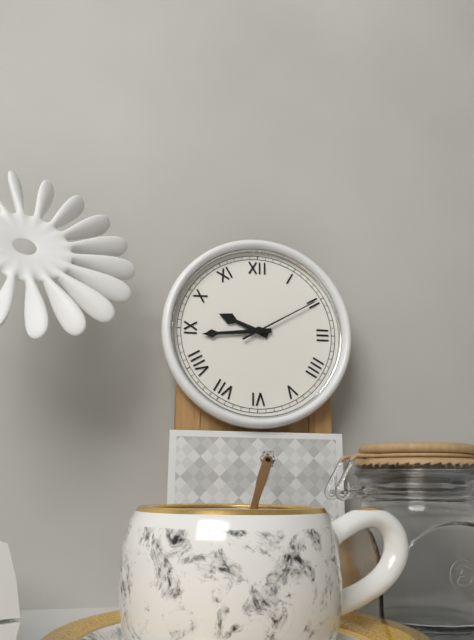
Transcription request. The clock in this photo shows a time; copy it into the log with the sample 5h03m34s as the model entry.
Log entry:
9h44m10s
